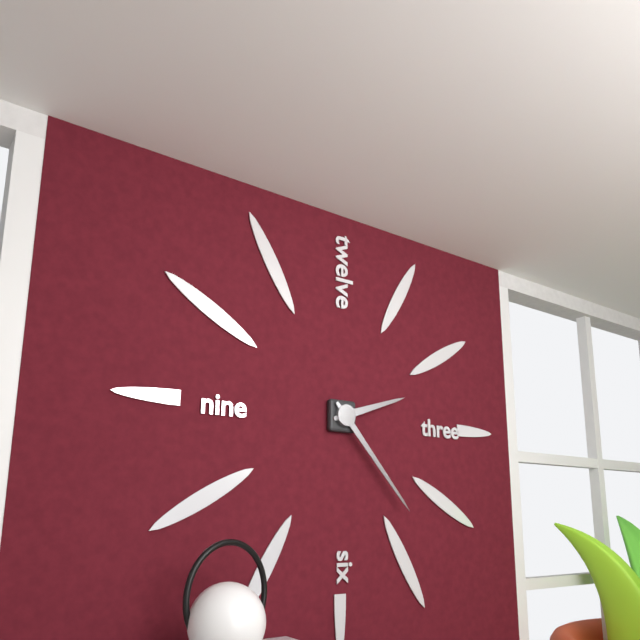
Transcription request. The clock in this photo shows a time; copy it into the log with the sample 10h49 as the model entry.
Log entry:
2h23
